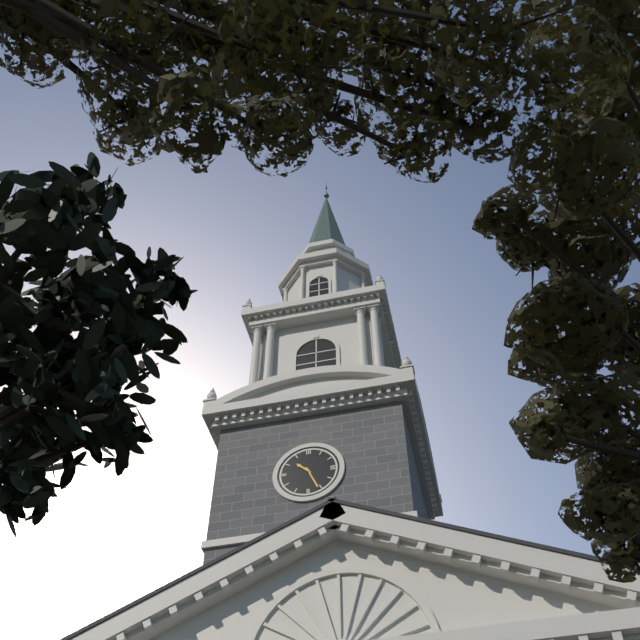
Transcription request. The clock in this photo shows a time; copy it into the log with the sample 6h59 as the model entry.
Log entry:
10h26
